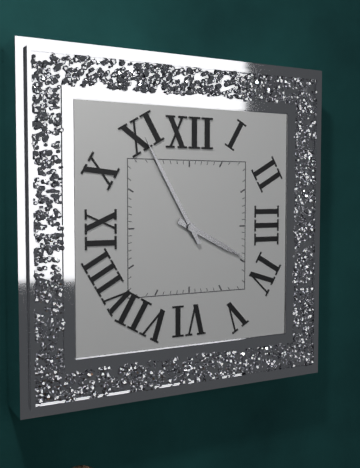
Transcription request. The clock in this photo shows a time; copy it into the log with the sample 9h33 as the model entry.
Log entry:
3h55
